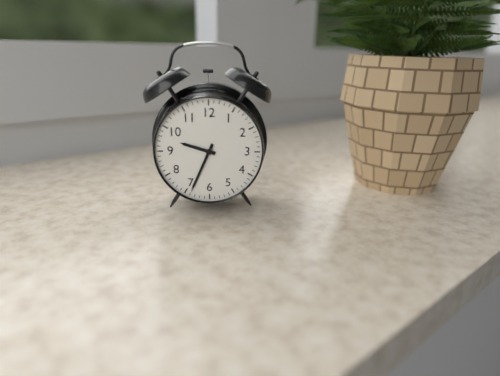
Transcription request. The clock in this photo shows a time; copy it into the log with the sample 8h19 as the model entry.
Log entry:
9h34
